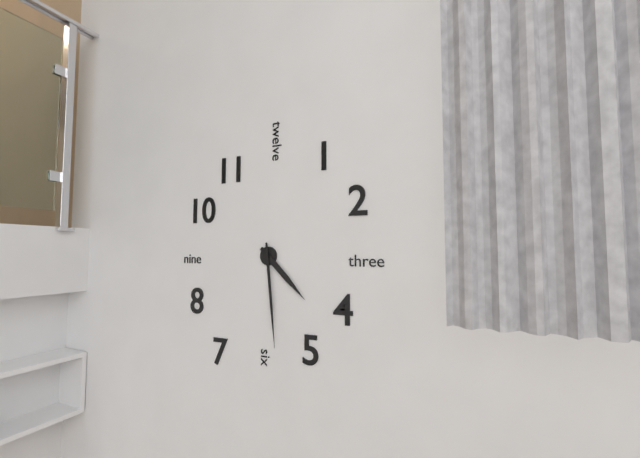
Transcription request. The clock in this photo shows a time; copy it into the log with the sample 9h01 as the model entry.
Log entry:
4h29
